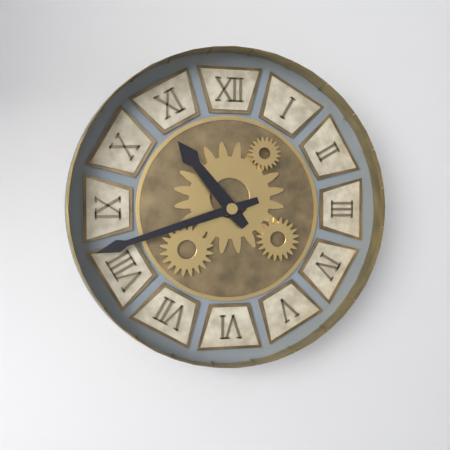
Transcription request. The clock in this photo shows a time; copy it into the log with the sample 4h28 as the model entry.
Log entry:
10h42
